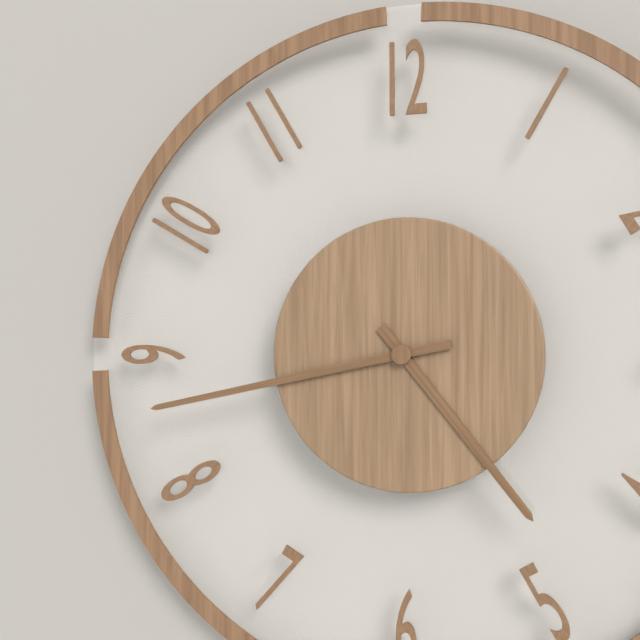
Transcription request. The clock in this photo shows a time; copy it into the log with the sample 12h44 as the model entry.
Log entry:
4h43
